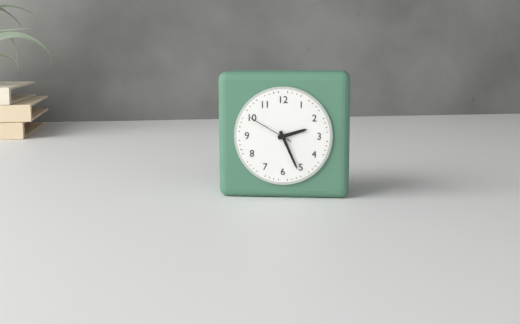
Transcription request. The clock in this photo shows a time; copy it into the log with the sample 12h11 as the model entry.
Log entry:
2h26
